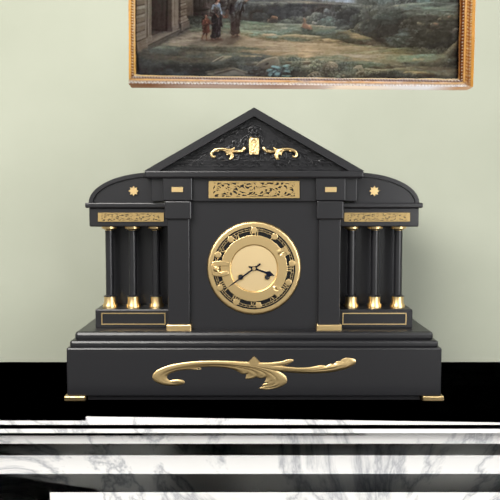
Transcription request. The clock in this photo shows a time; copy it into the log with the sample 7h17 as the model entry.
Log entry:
3h39
